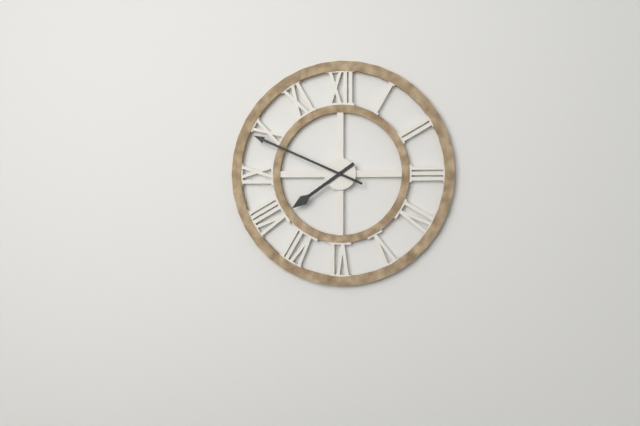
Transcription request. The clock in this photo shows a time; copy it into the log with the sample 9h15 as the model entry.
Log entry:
7h49
